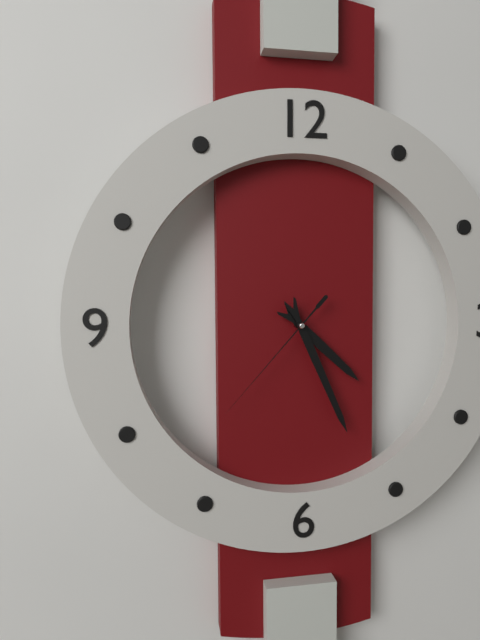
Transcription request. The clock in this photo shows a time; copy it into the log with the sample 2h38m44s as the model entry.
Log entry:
4h26m37s
